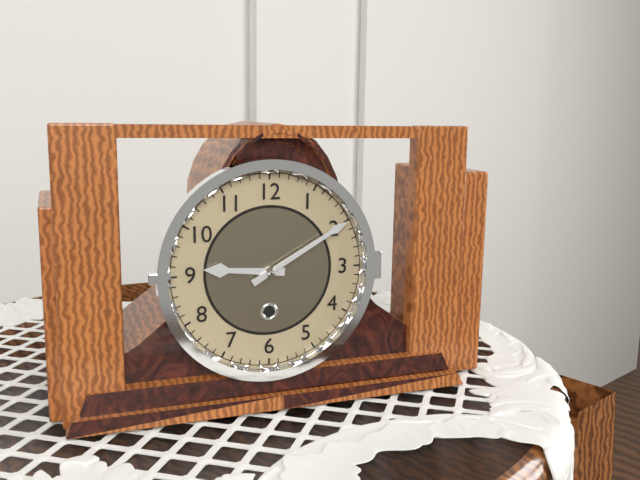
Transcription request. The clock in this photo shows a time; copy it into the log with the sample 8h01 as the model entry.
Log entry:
9h10
